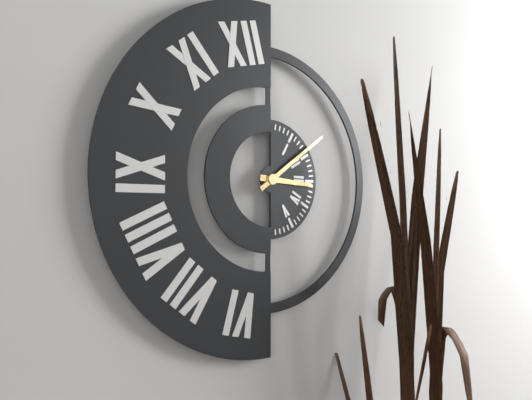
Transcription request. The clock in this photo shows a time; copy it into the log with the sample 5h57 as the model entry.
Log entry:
3h09
